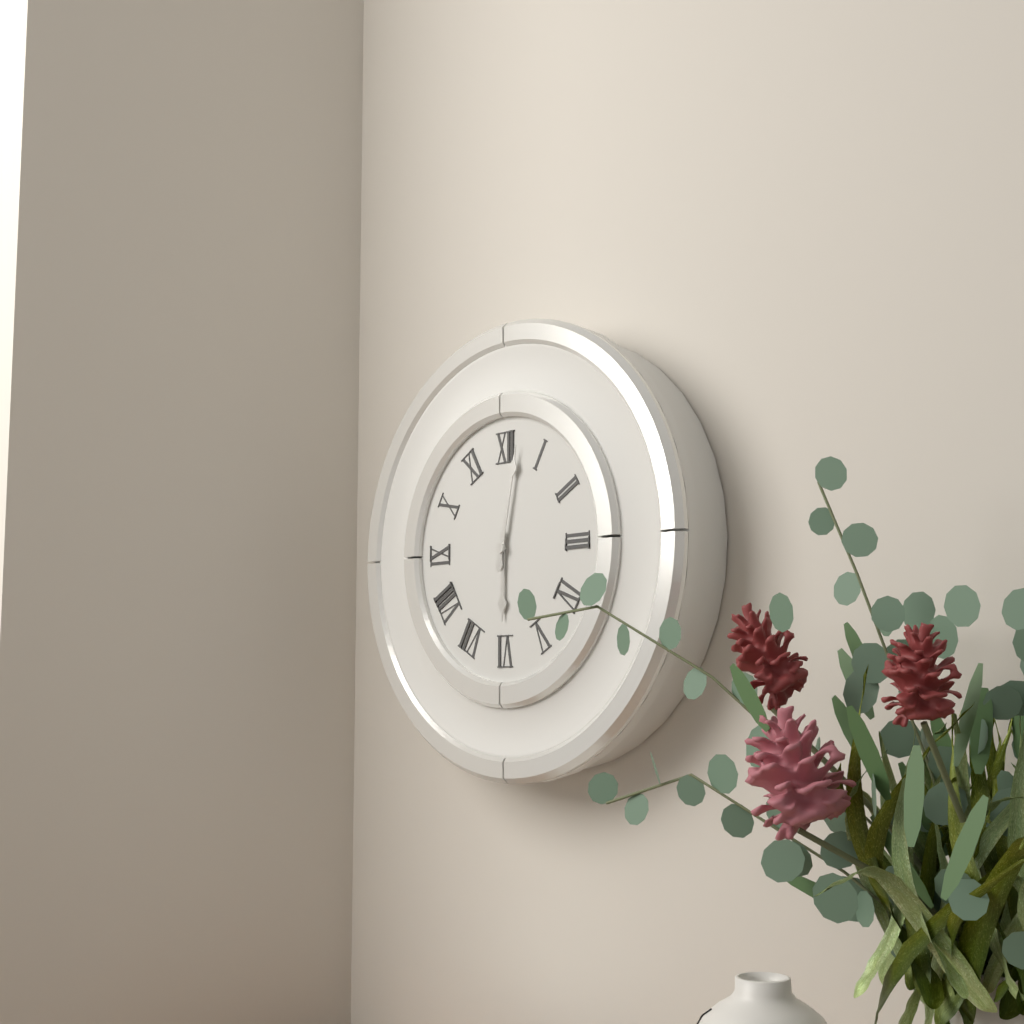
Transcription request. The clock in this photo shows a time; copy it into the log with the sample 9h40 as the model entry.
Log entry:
6h02
